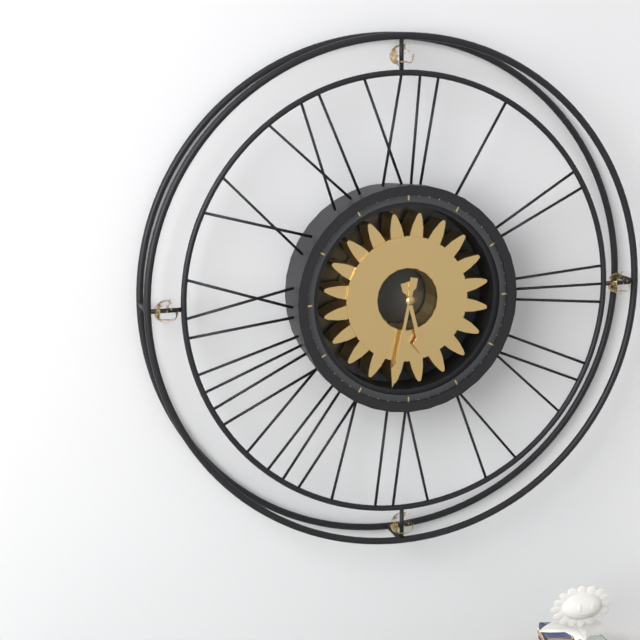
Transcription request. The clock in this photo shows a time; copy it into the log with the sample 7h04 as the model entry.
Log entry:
5h32
